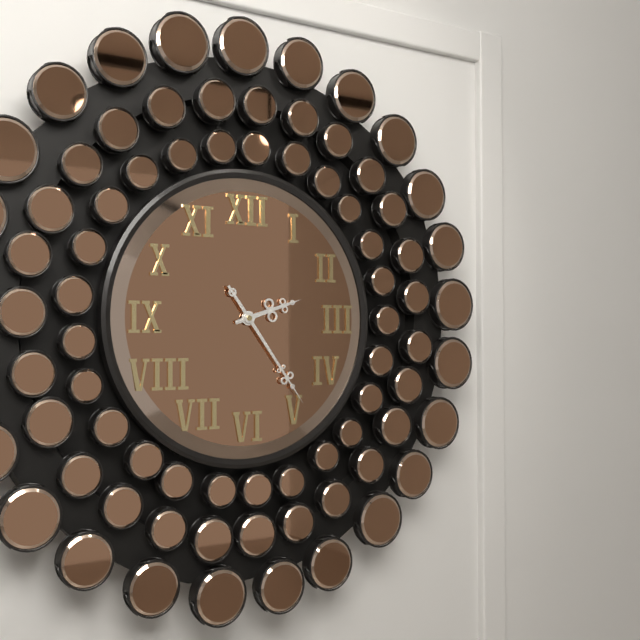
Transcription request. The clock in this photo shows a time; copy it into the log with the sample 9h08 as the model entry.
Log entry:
2h24
